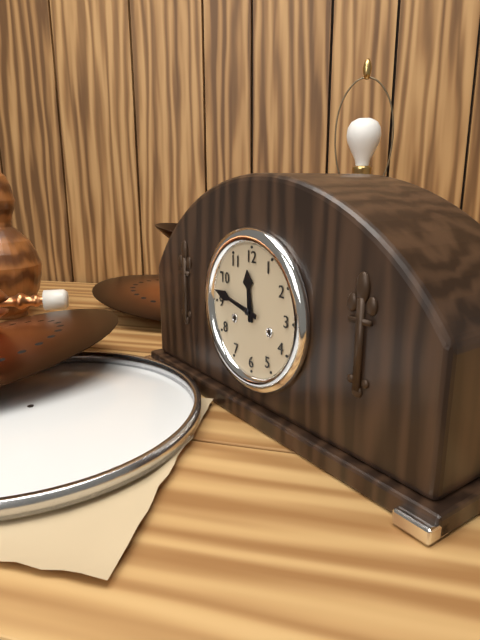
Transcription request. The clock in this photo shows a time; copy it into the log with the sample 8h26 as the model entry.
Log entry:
11h47
